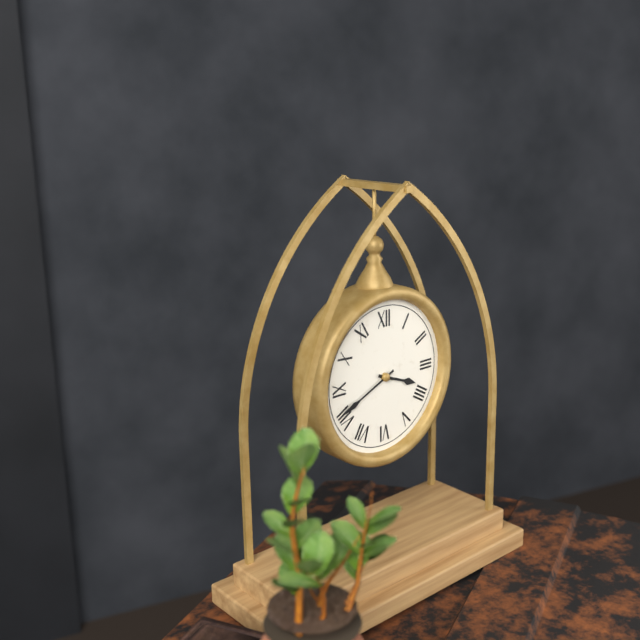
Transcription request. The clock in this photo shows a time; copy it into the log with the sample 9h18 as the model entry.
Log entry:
3h41
